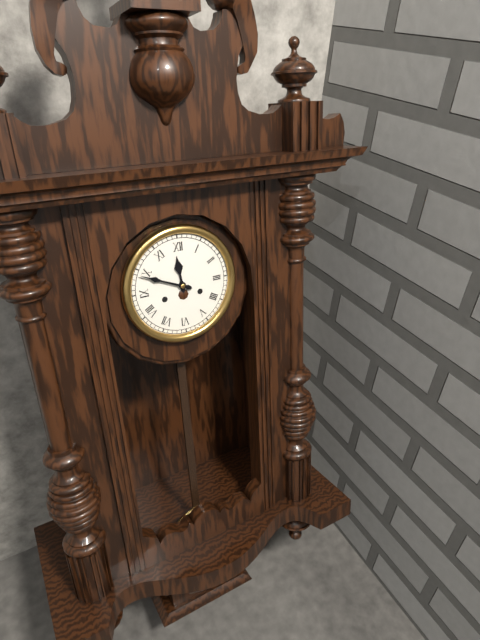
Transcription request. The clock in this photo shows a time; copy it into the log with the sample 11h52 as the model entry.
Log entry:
11h49
